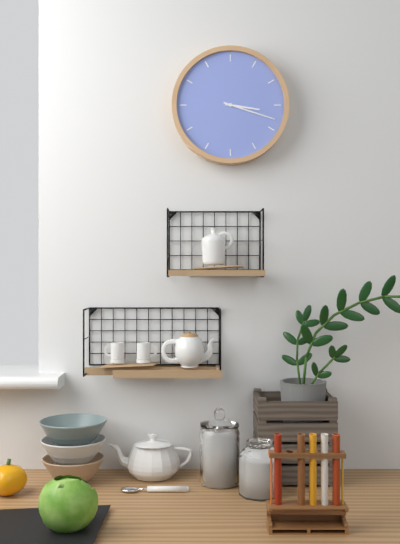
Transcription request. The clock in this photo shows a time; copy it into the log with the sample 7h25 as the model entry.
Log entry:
3h18
